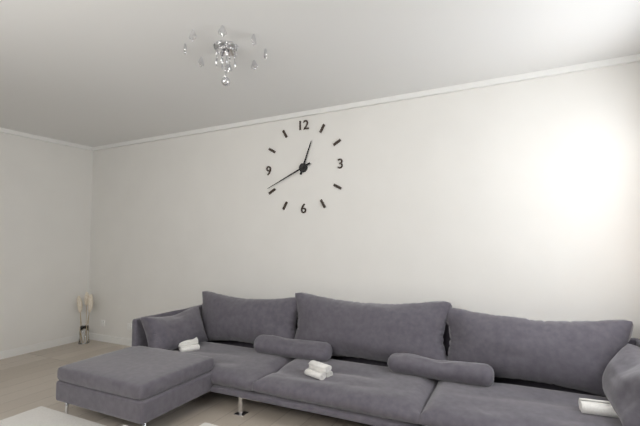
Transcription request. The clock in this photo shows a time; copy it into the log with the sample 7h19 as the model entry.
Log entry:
12h41
